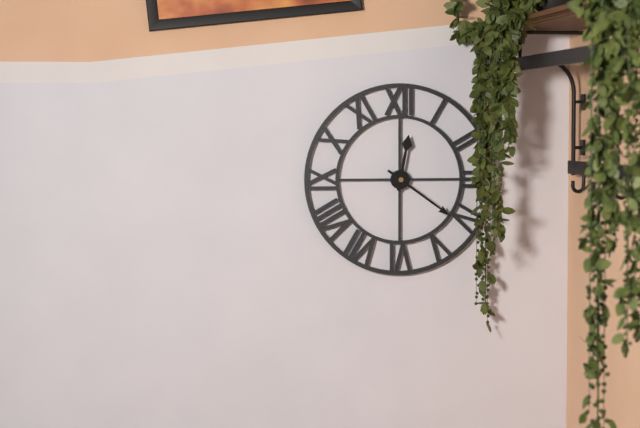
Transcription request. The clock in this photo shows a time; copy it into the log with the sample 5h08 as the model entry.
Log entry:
12h21
